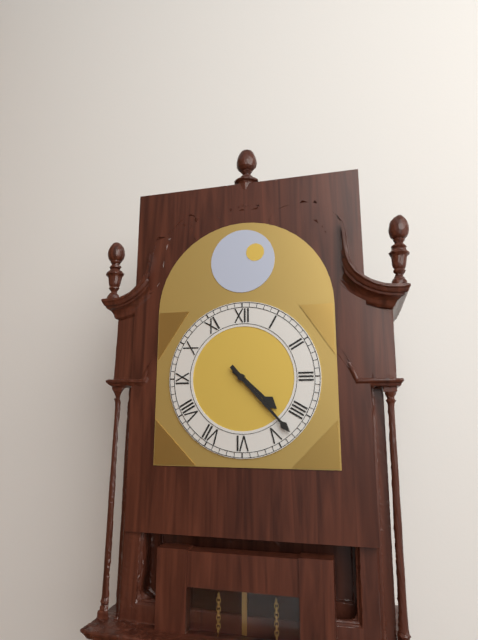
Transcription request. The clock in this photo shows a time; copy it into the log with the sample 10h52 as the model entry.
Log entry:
4h23
